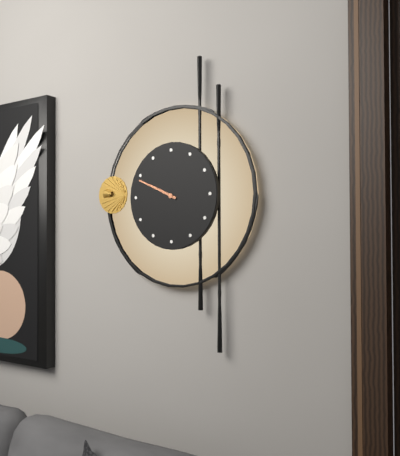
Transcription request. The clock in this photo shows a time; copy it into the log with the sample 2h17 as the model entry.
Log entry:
9h49
